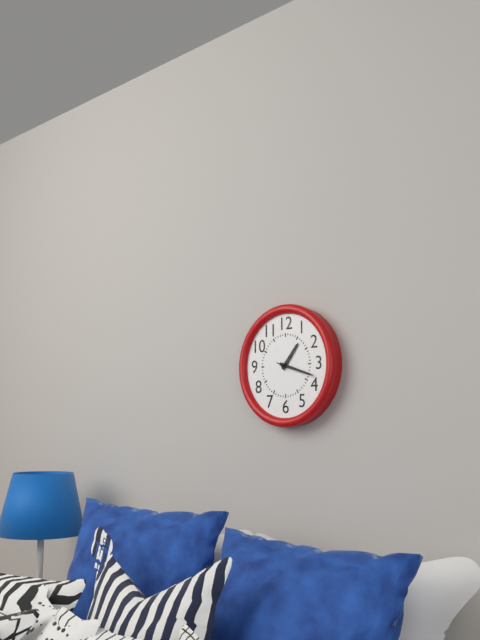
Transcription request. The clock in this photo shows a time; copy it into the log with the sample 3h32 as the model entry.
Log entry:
1h18
